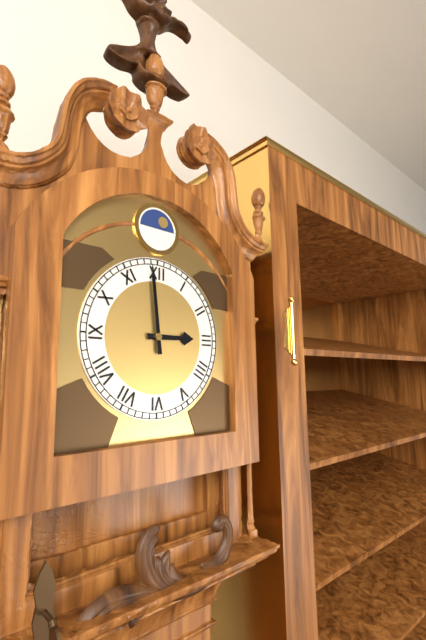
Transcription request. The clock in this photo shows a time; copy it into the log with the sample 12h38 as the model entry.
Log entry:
2h59
